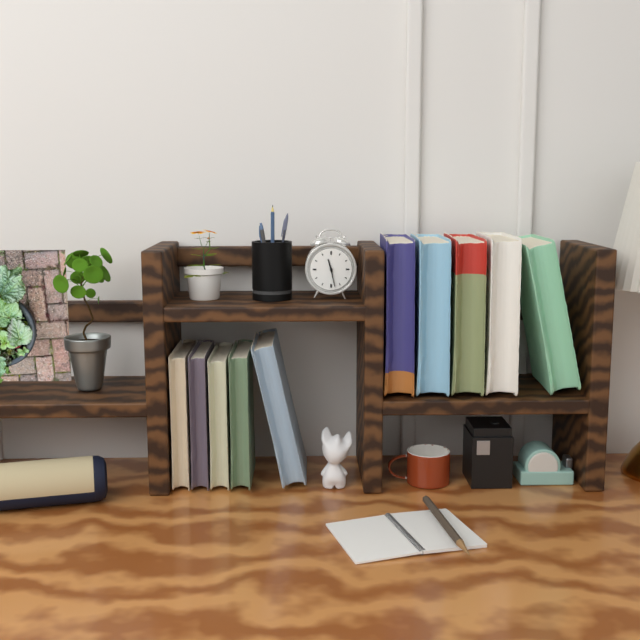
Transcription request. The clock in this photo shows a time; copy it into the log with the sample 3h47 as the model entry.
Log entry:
11h28
